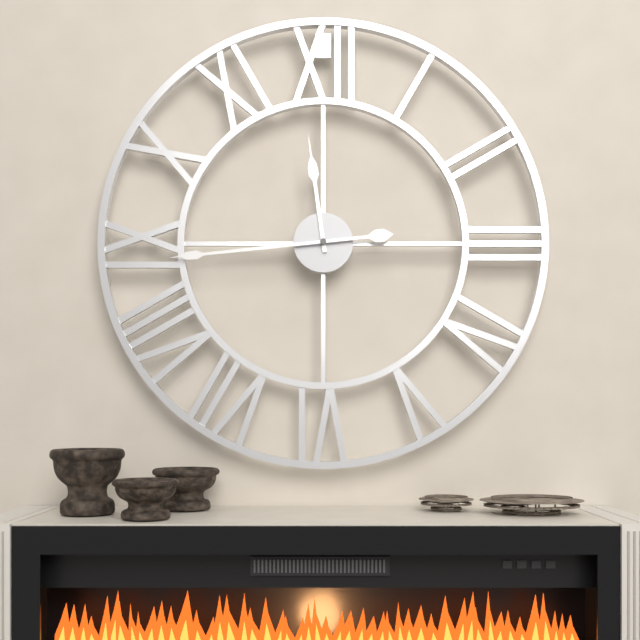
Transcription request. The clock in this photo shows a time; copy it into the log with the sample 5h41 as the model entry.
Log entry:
11h44
